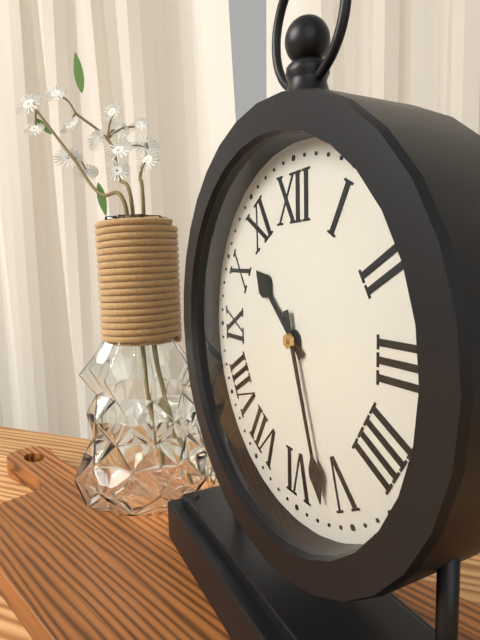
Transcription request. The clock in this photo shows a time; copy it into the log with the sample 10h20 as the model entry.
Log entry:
10h27
